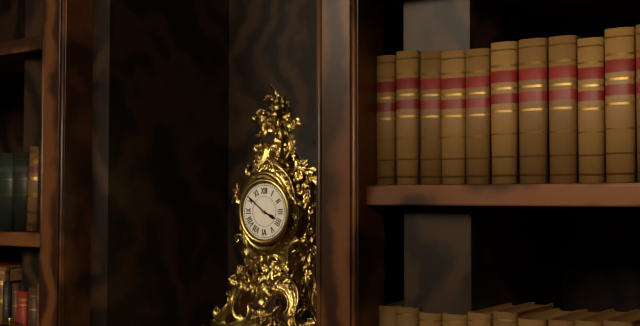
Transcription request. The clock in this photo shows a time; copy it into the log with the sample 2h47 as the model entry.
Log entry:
3h51
